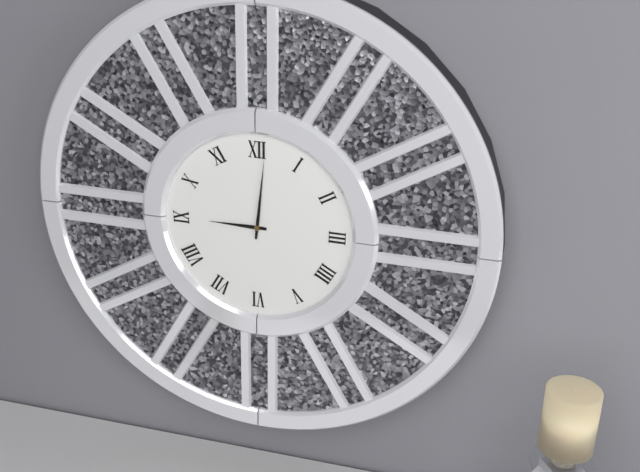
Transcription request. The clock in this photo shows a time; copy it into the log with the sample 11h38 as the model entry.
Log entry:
9h01
